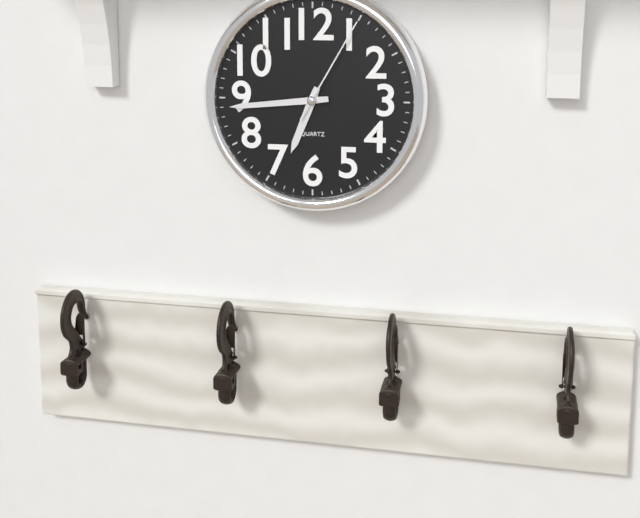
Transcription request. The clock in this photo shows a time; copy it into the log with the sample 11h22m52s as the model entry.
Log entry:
6h44m05s
